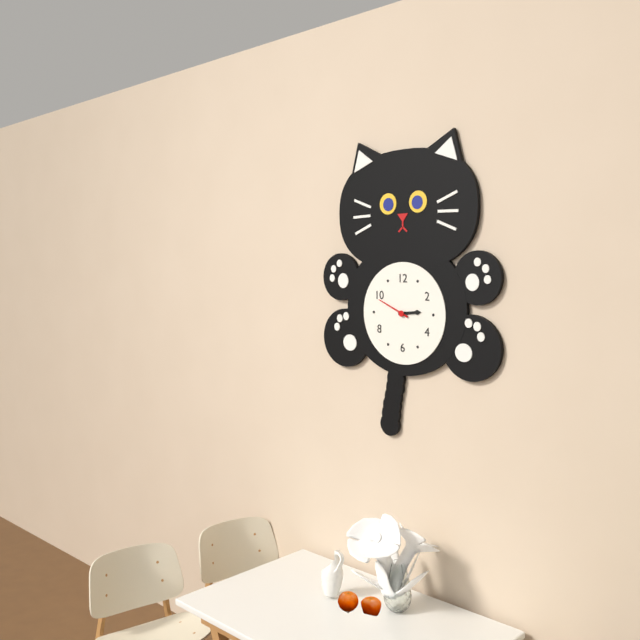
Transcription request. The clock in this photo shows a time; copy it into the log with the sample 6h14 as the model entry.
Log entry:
2h49
